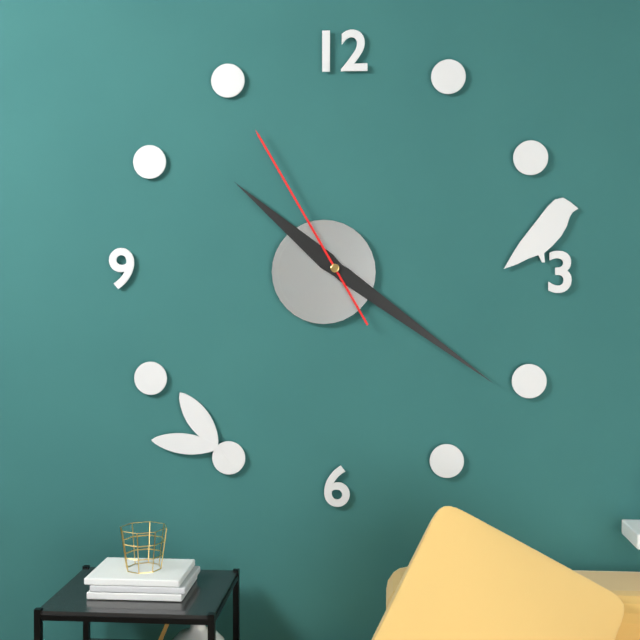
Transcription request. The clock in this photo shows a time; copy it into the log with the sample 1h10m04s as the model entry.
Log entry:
10h21m55s
